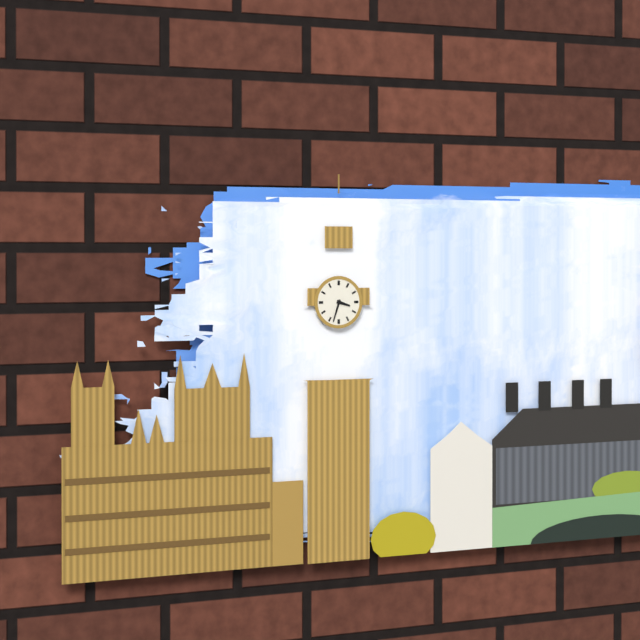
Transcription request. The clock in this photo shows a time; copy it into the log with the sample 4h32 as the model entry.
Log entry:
3h33
